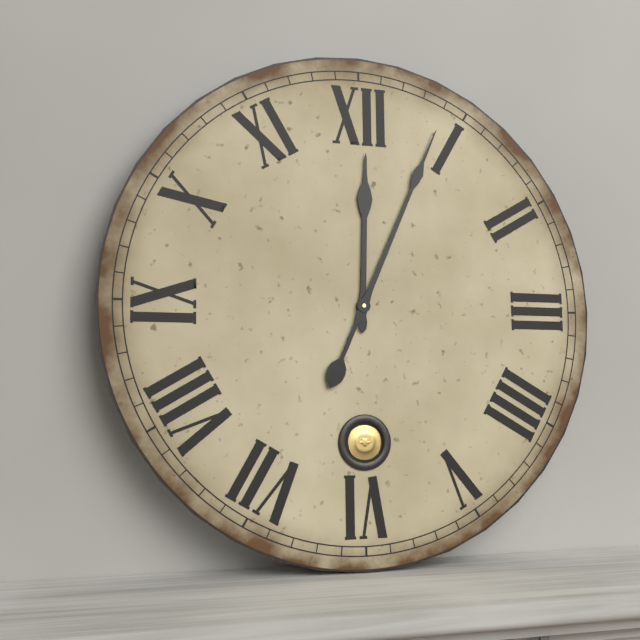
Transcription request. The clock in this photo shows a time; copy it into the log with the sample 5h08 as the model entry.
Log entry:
12h04
